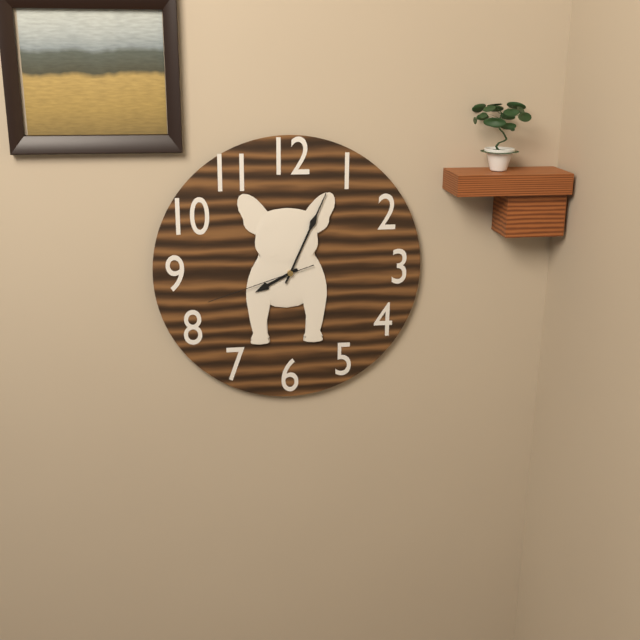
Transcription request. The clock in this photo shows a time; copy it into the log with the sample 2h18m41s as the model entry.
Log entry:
8h04m42s
